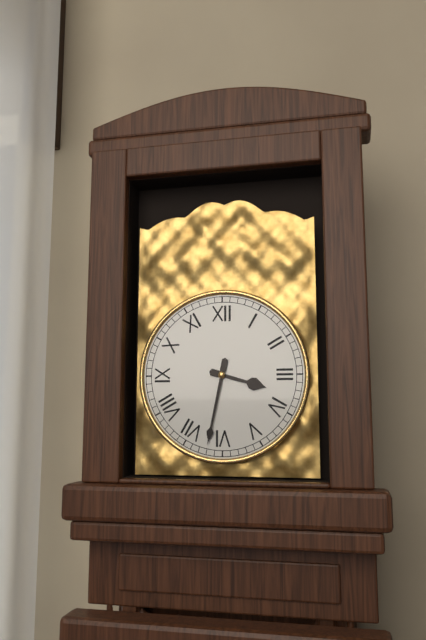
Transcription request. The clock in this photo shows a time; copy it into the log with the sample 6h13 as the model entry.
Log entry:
3h32
